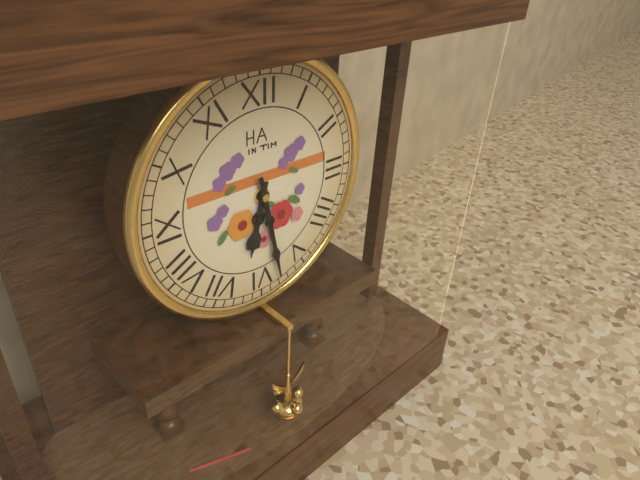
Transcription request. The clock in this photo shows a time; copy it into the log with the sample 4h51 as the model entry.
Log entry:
6h28
